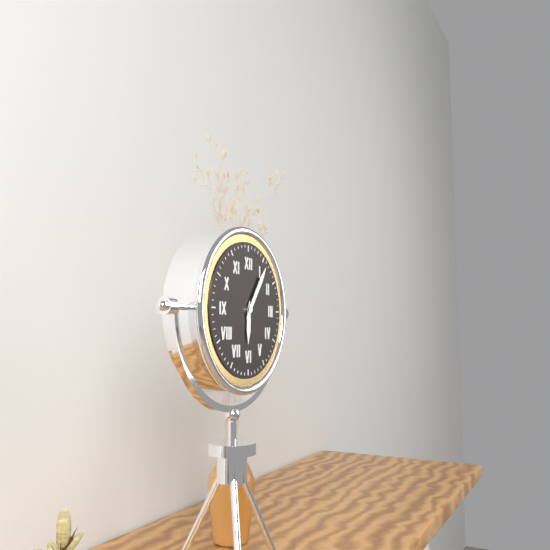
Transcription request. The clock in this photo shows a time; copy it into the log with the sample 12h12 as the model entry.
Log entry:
6h06
